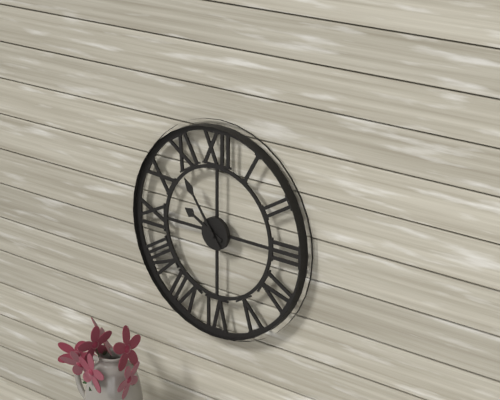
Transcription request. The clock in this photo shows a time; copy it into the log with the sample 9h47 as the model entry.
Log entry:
9h54
